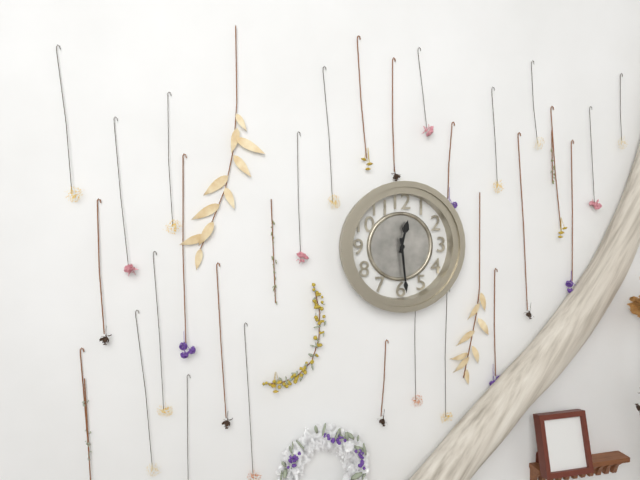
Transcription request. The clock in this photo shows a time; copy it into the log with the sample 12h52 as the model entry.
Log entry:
12h29
